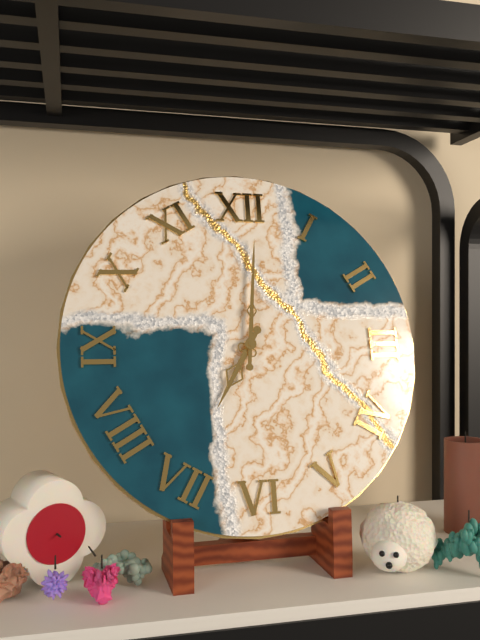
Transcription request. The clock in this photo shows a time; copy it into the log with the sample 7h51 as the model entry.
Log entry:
7h01
